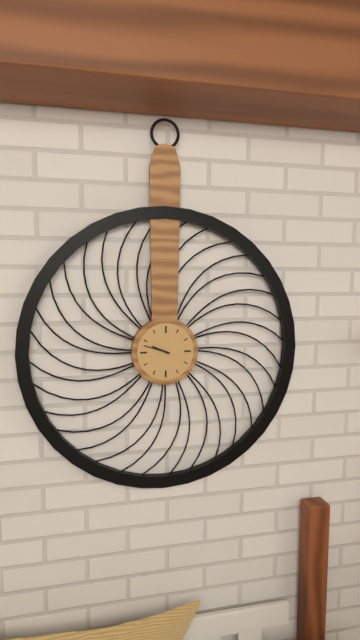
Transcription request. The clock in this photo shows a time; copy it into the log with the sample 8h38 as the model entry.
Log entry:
9h48
